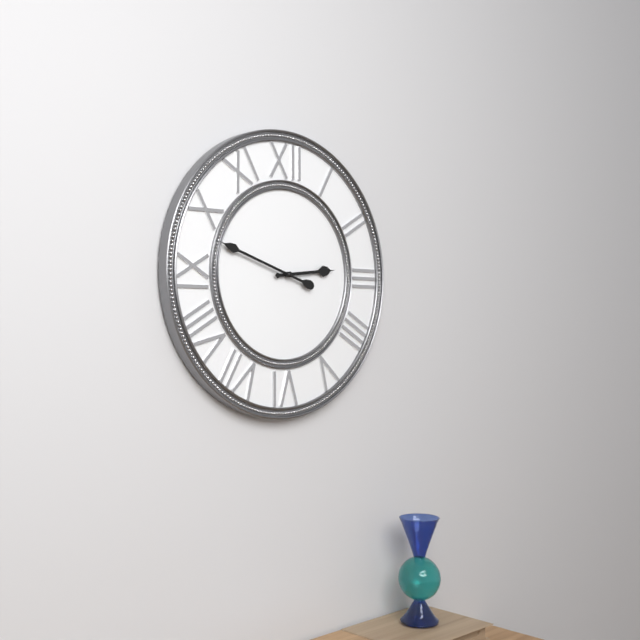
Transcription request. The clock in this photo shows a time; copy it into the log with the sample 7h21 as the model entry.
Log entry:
2h48
